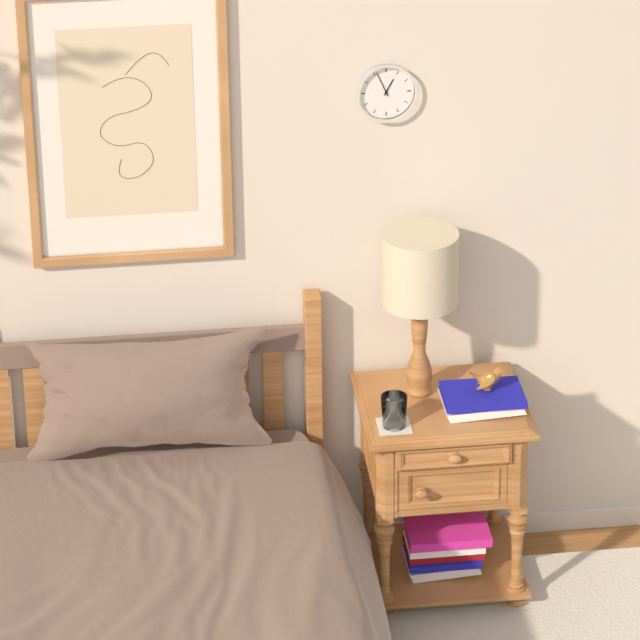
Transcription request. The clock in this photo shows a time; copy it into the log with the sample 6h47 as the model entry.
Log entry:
12h56
